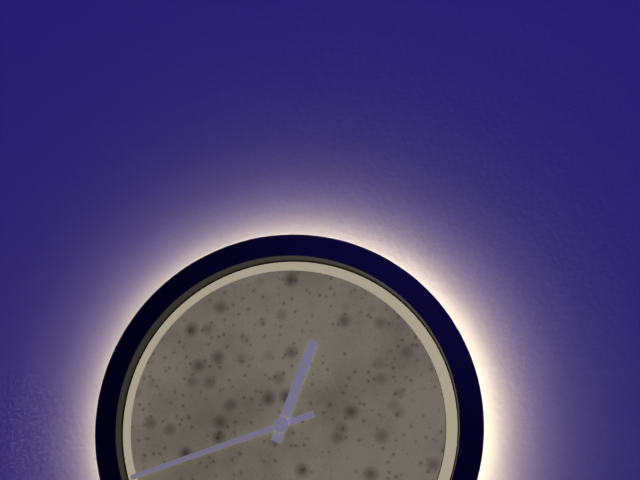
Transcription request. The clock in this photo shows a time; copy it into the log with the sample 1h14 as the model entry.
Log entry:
12h42
